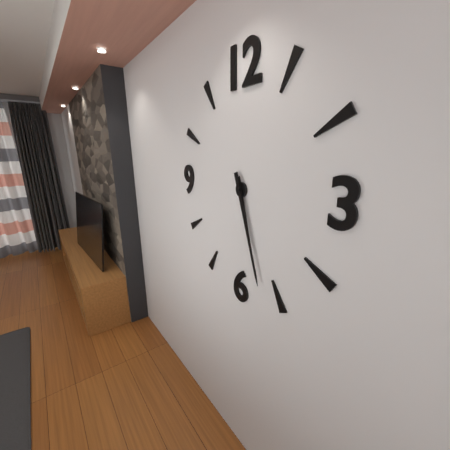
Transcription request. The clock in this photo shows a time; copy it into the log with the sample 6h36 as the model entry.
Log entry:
5h27
